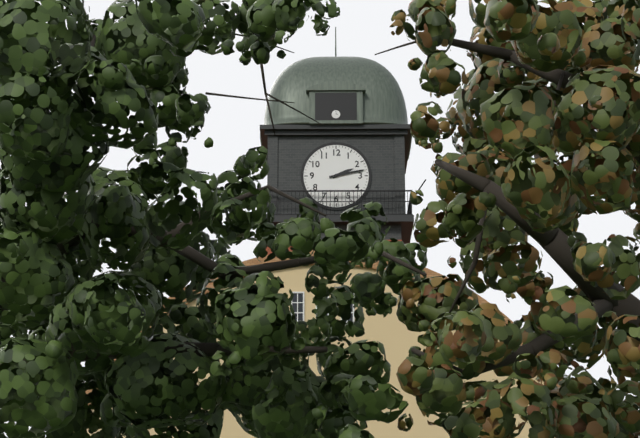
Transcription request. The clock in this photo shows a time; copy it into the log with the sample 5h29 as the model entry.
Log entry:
2h13
